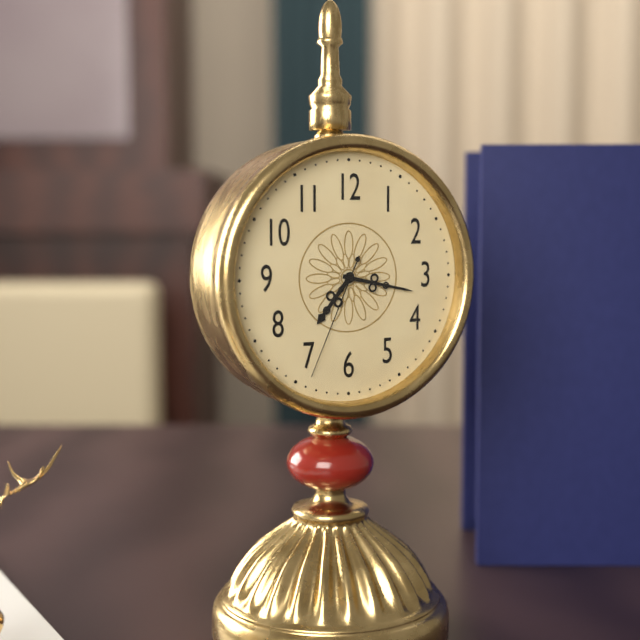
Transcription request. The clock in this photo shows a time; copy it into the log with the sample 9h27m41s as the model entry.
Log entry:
7h17m34s
